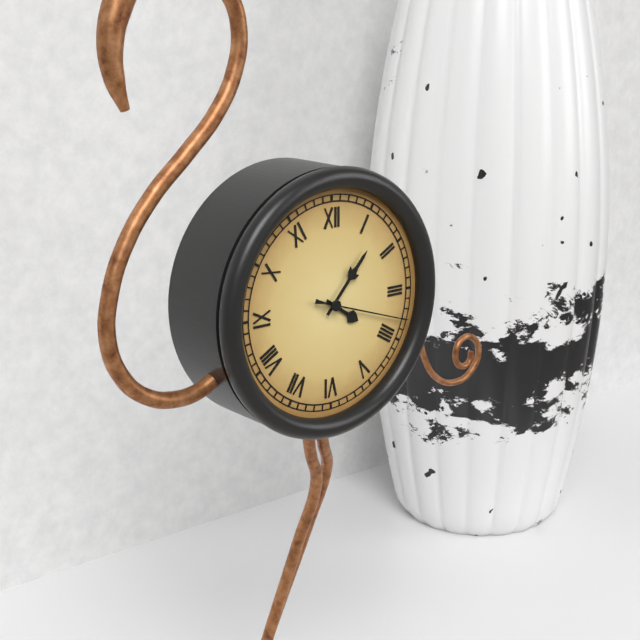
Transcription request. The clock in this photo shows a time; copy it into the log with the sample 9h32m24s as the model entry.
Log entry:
4h07m18s
